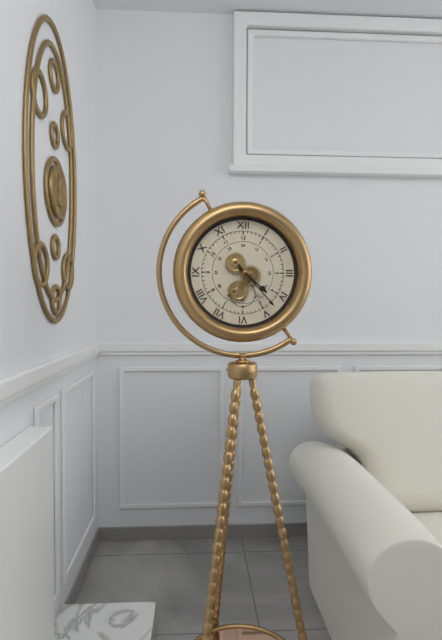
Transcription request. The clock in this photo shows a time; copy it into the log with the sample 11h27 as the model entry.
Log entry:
4h23
